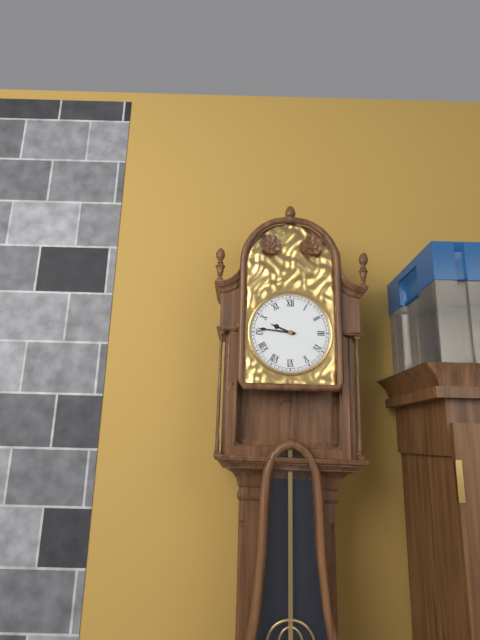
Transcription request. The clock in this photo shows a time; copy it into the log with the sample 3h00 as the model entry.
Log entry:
9h46
